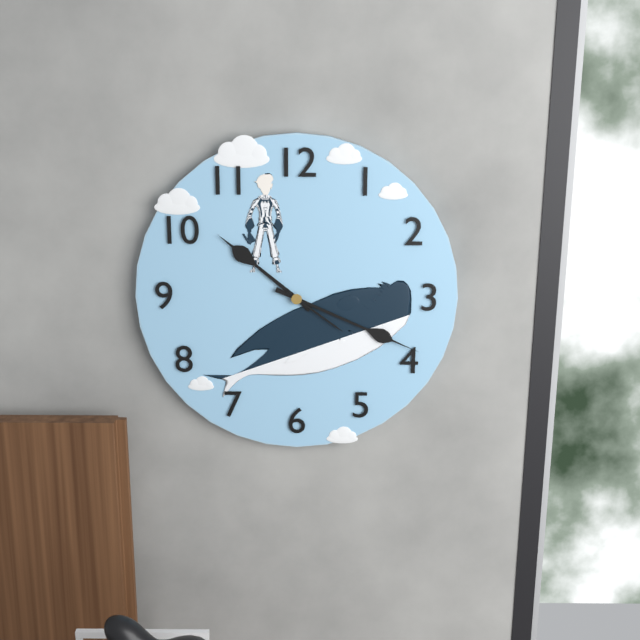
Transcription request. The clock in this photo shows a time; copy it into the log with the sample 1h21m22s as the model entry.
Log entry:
10h19m21s
